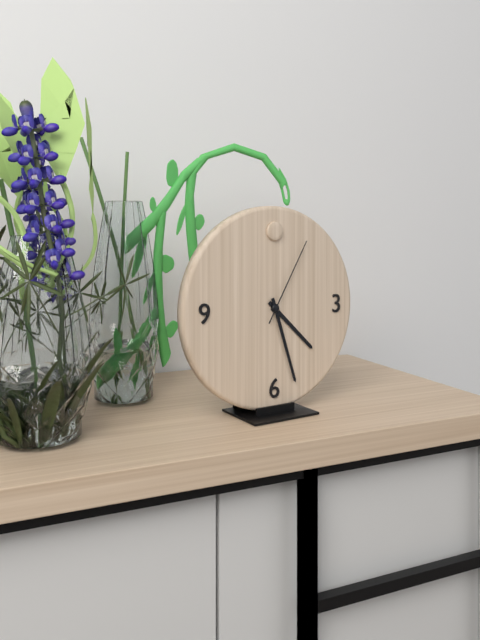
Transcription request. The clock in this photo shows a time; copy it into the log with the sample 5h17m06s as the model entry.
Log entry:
4h27m05s
